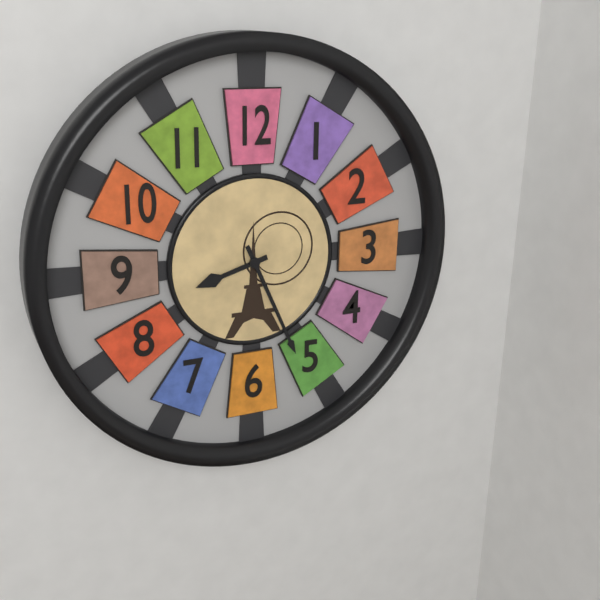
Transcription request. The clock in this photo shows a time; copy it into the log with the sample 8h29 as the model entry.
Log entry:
8h26
